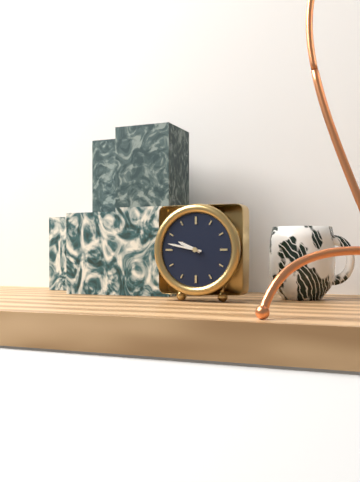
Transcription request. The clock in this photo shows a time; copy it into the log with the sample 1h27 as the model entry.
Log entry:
9h47
